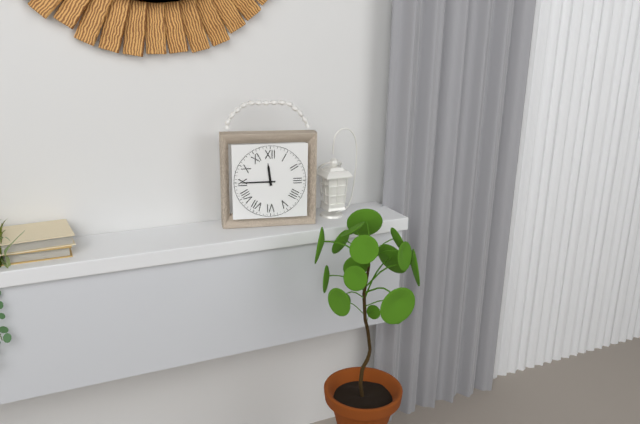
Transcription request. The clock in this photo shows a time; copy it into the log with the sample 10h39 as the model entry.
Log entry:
11h45
